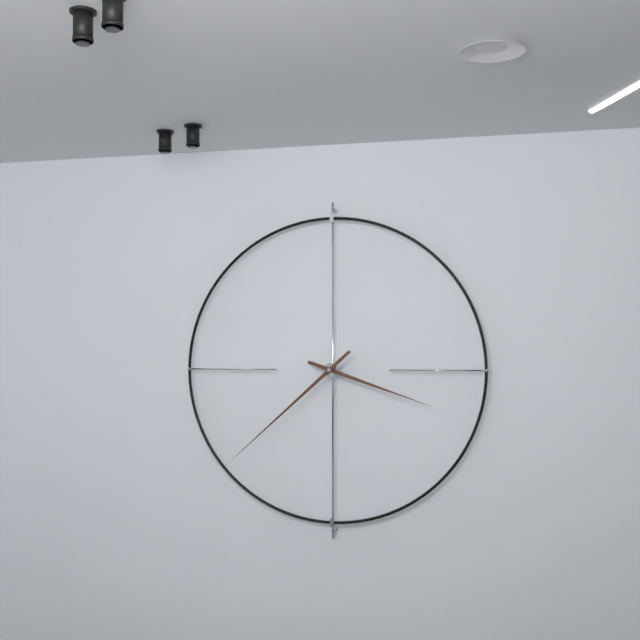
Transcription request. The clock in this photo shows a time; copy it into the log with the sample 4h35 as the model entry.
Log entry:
3h38
